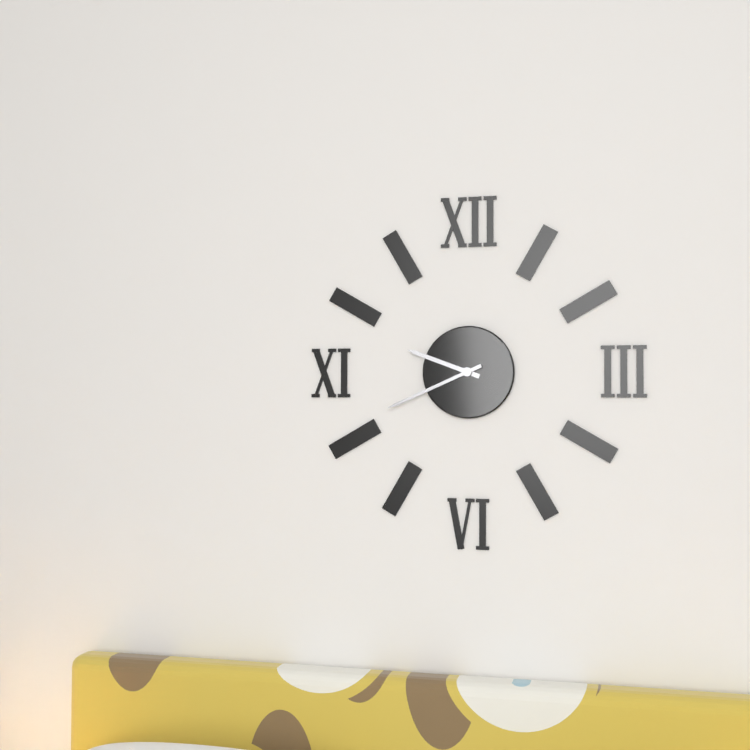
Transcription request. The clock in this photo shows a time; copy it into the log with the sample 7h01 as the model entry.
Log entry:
9h41
